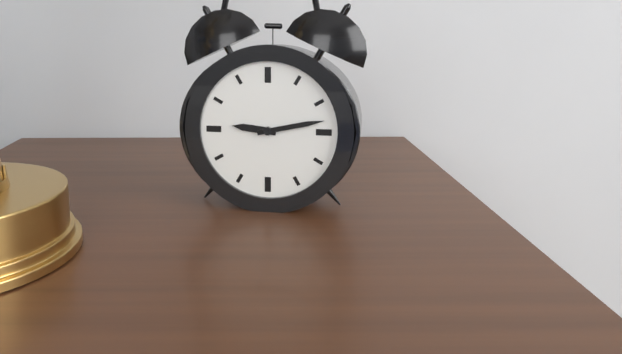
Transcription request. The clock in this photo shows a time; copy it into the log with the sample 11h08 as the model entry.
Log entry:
9h13
